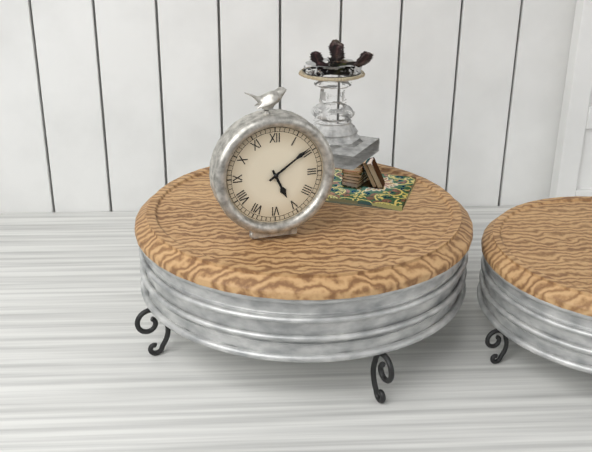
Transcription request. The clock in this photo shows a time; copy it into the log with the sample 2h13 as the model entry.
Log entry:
5h09
